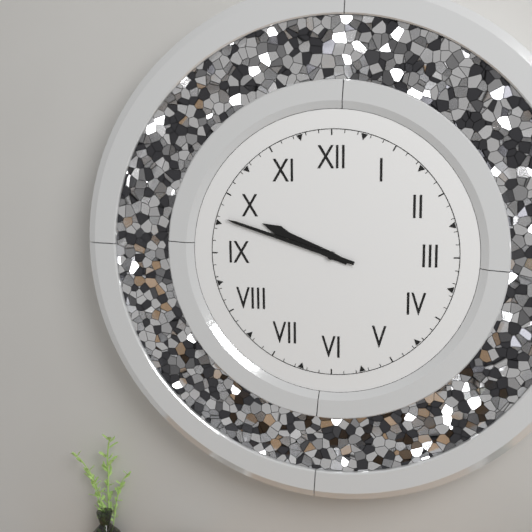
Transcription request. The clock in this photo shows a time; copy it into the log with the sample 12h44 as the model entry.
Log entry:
9h48
